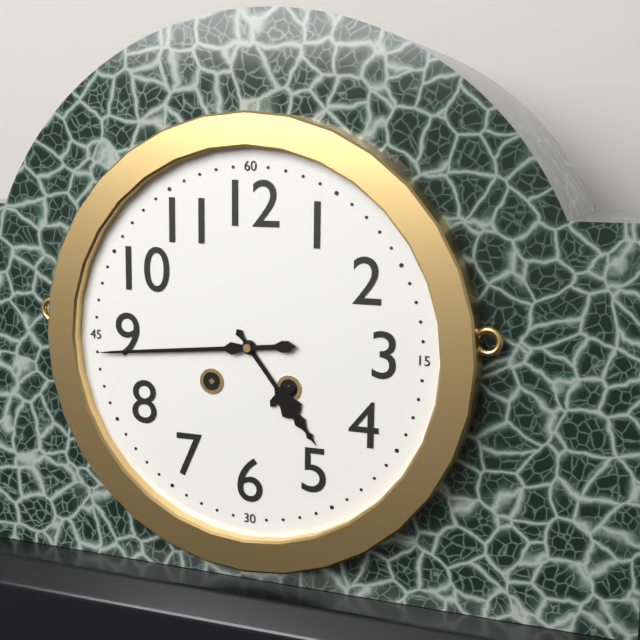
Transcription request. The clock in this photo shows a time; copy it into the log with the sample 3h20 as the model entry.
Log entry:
4h44
